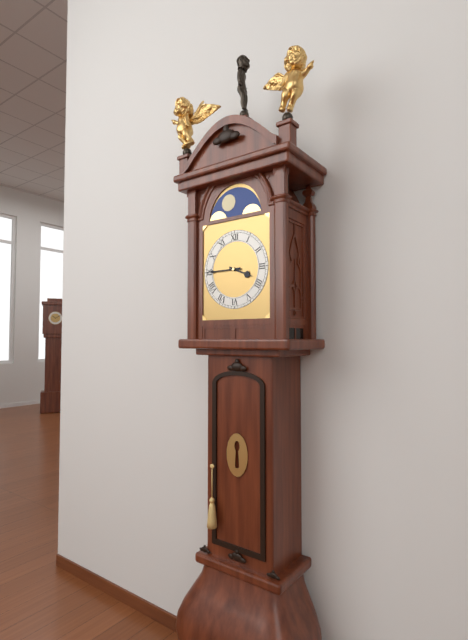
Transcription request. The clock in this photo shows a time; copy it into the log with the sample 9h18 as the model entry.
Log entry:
3h45
